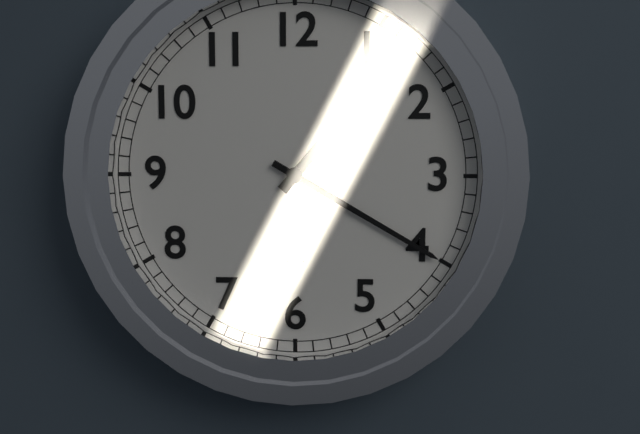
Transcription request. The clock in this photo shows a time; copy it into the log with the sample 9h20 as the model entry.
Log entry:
1h20
